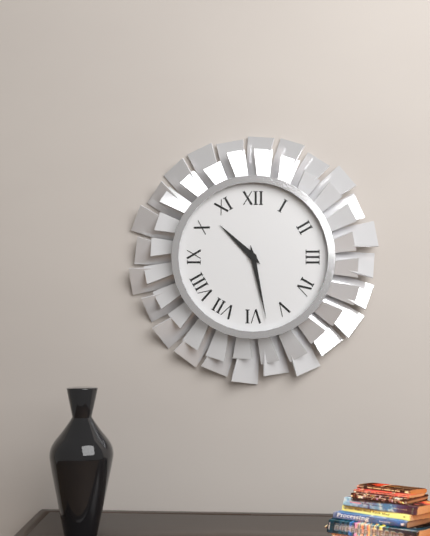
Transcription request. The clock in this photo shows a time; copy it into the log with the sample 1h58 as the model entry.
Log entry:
10h28
